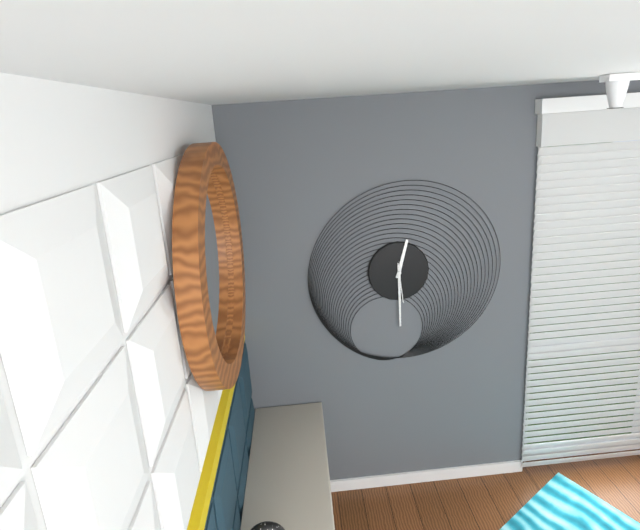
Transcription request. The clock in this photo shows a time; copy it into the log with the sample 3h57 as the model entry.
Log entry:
12h30
